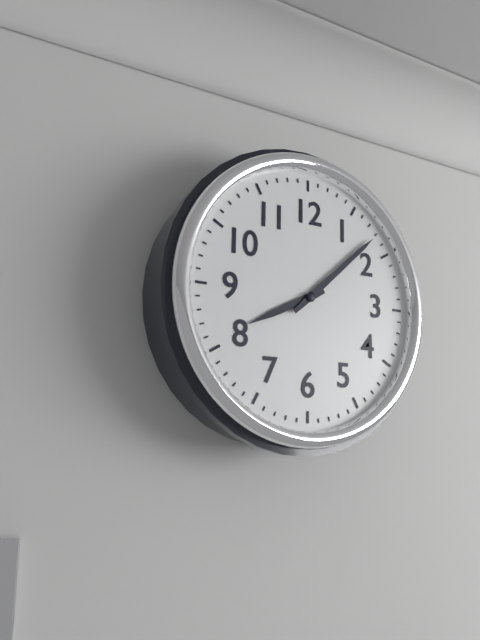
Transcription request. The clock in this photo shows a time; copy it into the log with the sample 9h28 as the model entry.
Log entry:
8h08
